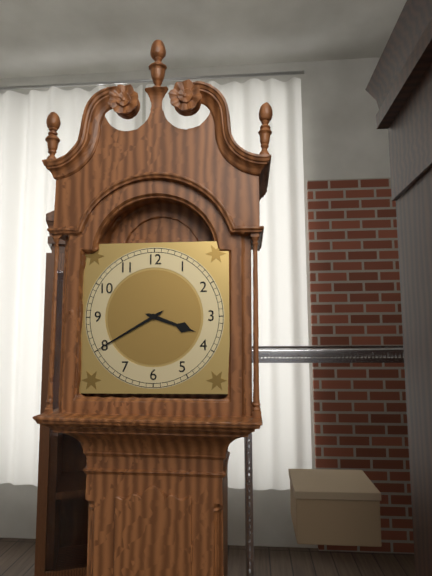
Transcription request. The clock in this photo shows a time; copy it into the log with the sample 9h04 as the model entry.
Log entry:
3h40
